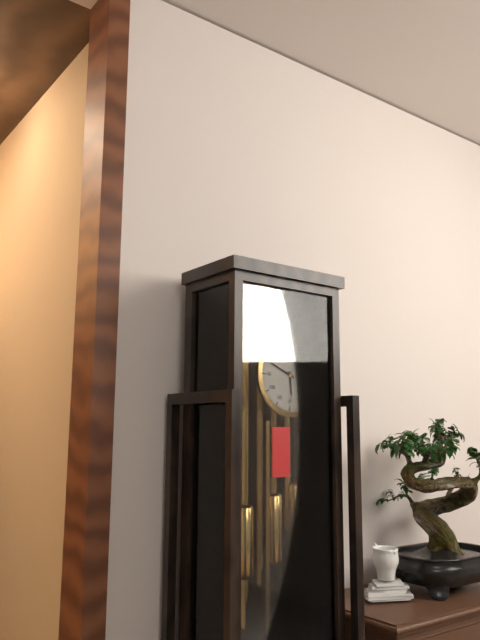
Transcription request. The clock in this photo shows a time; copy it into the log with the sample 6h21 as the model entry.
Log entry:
5h49
